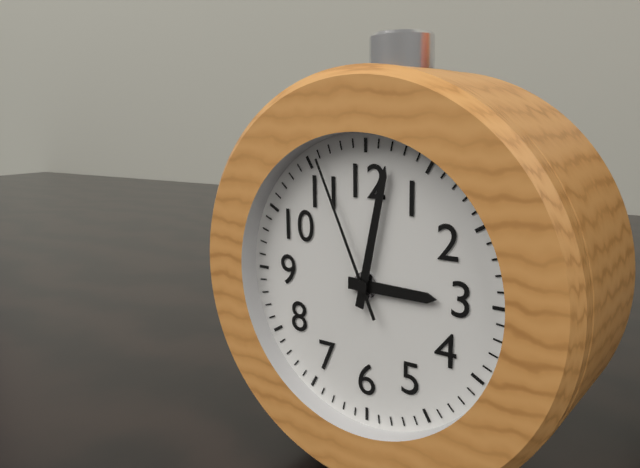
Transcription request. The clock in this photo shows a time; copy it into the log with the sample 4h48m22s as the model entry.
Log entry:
3h02m56s
